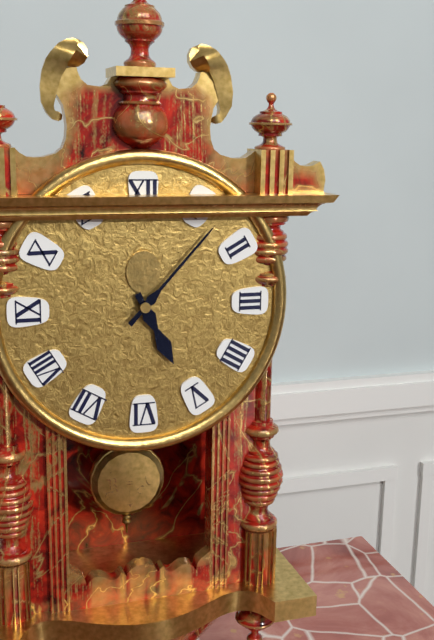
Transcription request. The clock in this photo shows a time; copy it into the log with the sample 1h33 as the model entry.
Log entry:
5h07
